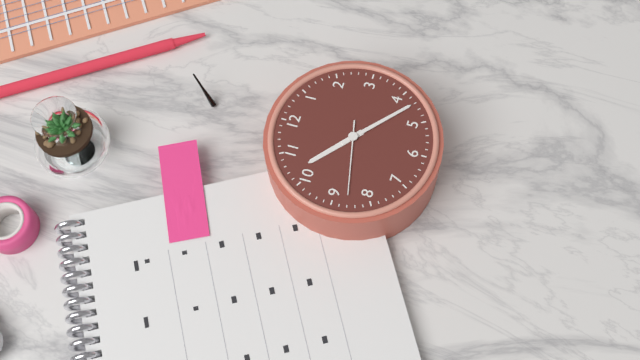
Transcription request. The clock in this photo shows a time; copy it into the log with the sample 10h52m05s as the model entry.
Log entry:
10h22m43s
